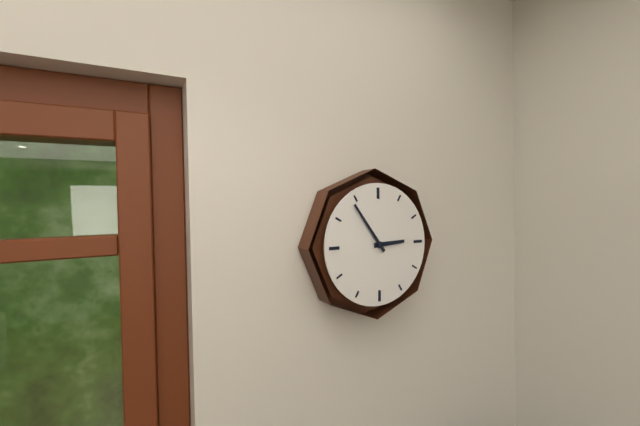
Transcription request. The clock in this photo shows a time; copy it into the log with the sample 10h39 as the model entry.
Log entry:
2h54
